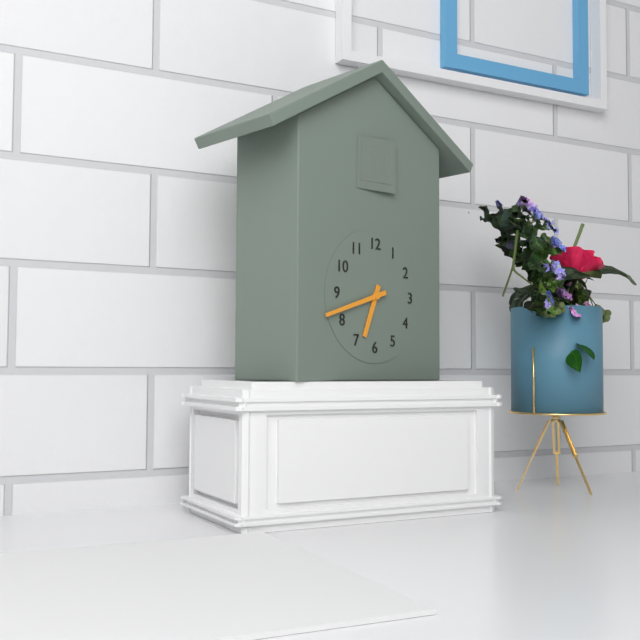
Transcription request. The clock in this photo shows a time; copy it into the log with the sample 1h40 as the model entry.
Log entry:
6h42
